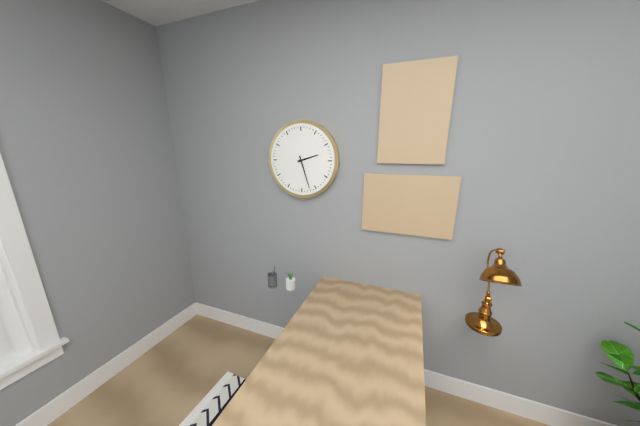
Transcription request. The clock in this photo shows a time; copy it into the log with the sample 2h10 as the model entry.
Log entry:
2h27
